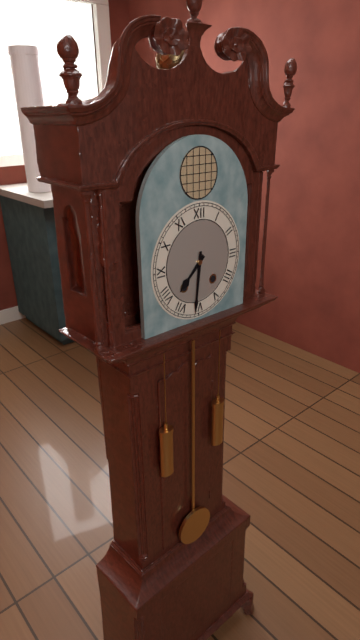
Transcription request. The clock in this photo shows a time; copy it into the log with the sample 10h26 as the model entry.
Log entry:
7h31
